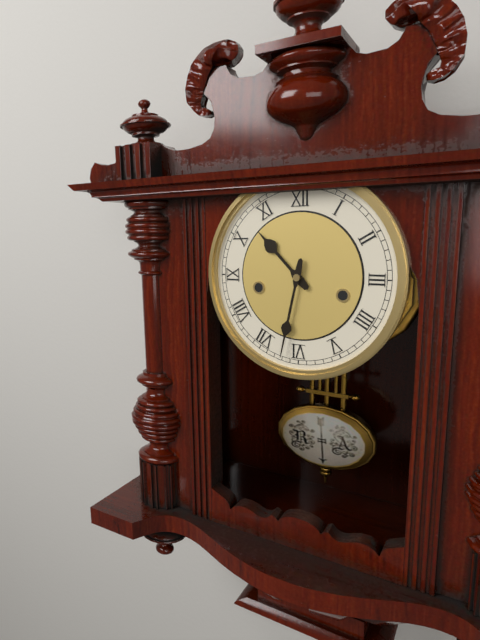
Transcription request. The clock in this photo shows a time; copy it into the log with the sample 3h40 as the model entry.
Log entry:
10h32
